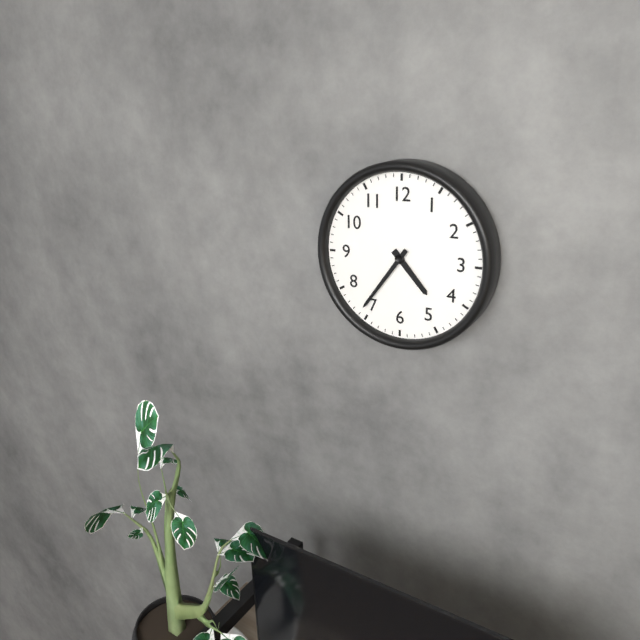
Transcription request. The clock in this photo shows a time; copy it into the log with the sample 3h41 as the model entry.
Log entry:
4h36
